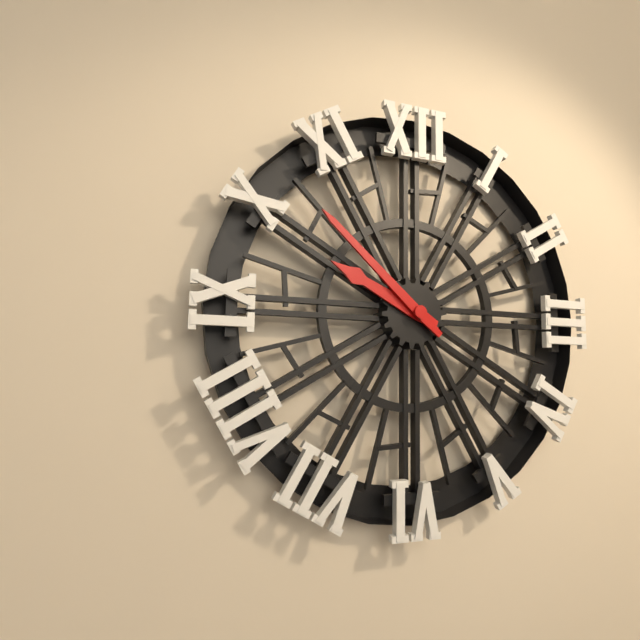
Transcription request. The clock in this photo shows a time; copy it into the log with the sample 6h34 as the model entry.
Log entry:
9h52
